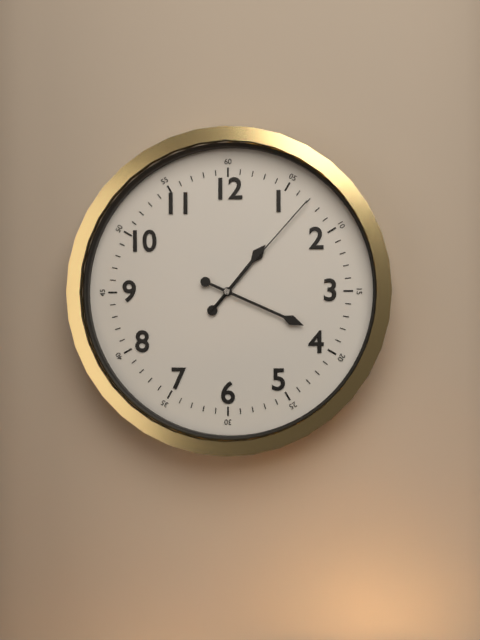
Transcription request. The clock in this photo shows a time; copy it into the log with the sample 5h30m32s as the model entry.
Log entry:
1h19m07s
